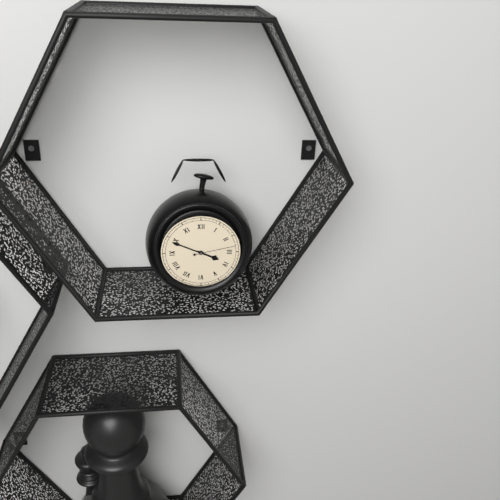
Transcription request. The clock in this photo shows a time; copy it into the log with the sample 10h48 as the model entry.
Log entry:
3h49
